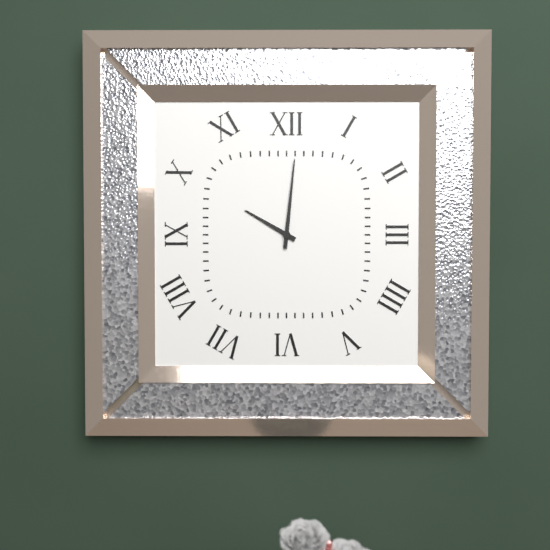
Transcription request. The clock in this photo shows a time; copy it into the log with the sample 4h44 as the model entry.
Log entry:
10h01
